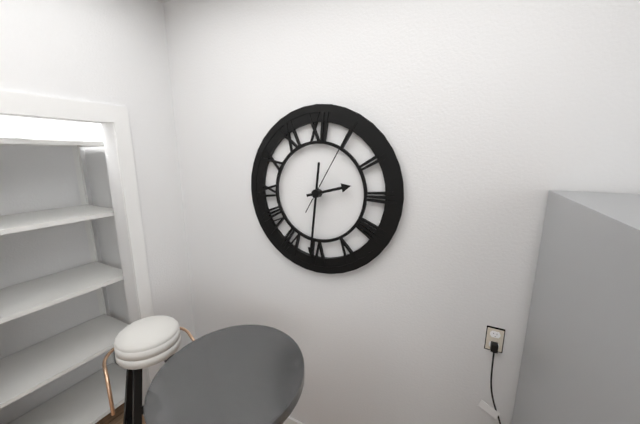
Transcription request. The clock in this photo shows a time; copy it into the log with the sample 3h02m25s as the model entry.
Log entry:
2h31m05s
